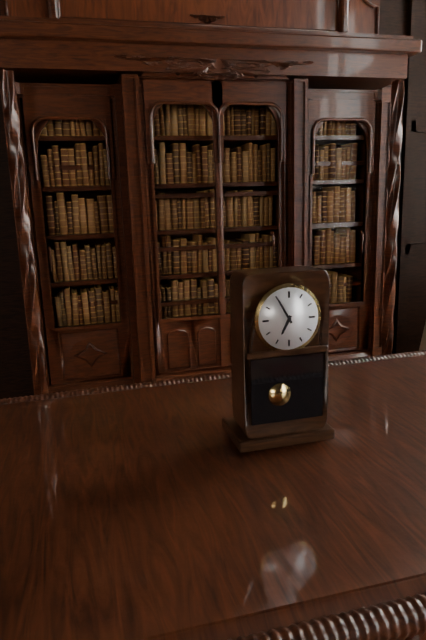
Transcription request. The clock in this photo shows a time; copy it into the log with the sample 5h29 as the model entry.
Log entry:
6h55
